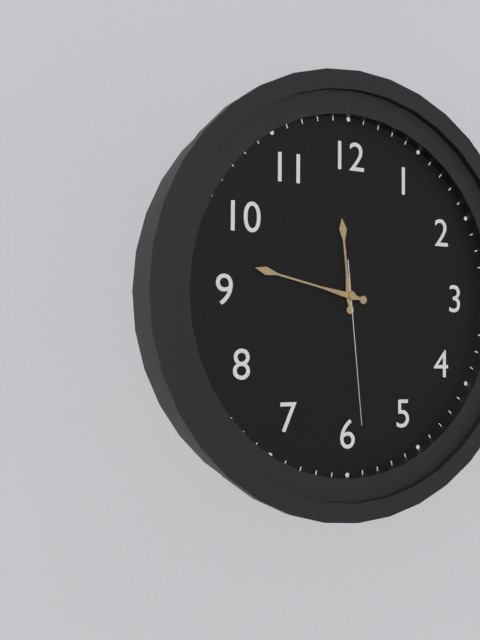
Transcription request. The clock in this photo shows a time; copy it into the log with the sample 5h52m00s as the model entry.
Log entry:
11h47m29s
